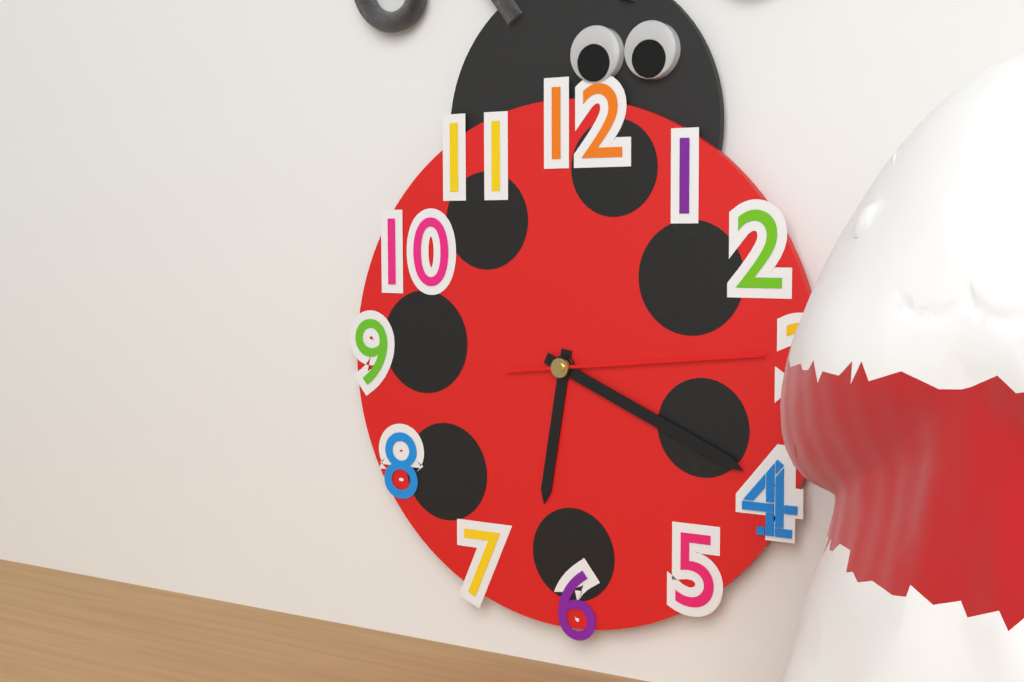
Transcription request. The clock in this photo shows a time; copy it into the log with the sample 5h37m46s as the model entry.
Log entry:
6h19m14s
